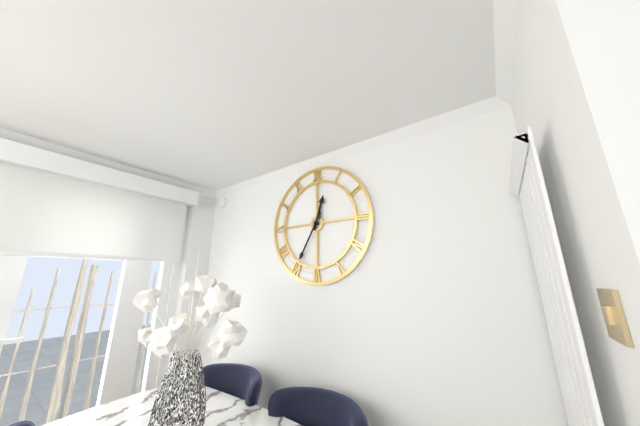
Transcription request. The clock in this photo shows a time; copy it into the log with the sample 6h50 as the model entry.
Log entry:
12h35
